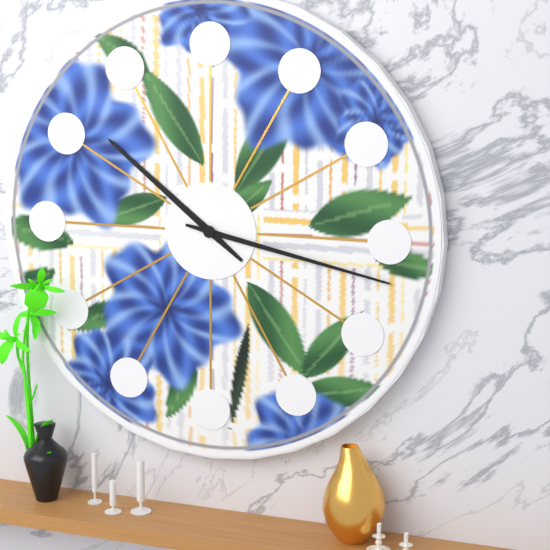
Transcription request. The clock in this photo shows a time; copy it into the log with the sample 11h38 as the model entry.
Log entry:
10h17
